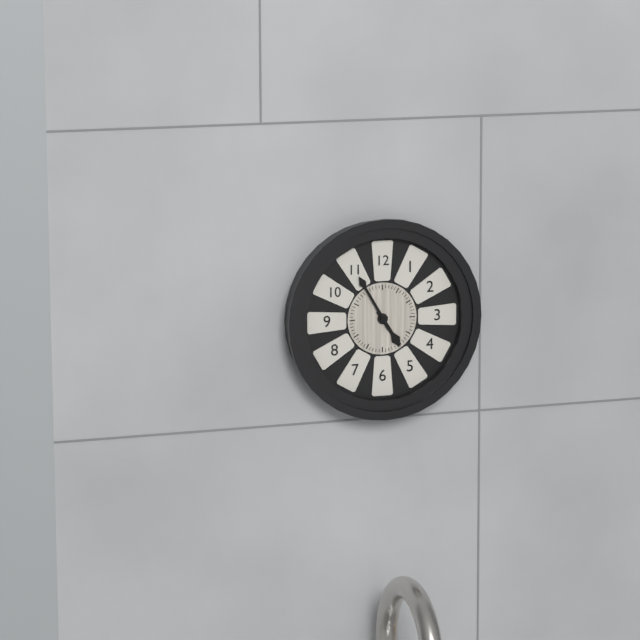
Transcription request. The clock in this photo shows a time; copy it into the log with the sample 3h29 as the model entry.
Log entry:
4h55
